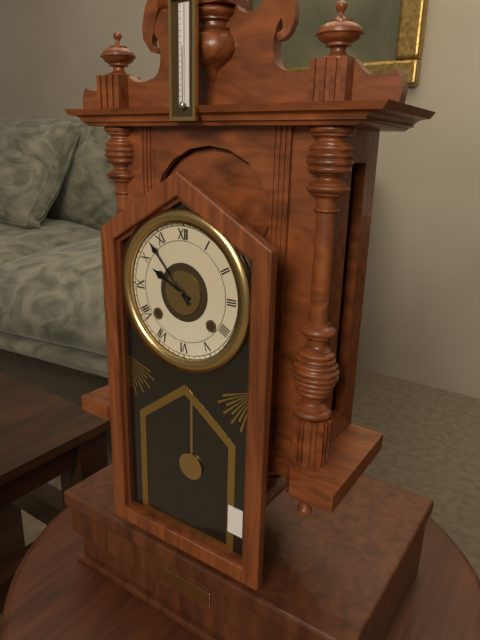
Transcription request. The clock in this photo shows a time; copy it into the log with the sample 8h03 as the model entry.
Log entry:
9h53
